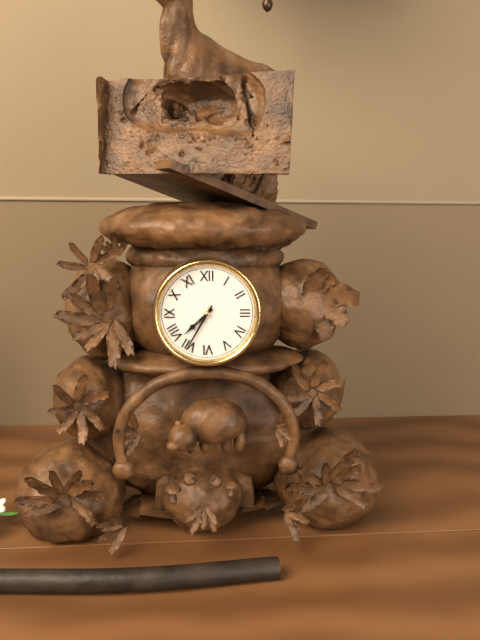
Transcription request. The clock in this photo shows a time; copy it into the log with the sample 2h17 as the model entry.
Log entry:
7h35
